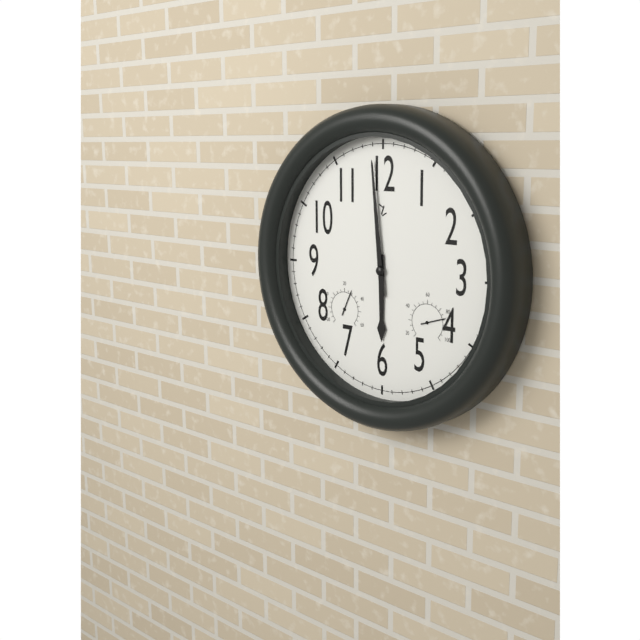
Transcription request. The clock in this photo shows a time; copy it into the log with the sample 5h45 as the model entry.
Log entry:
5h59
